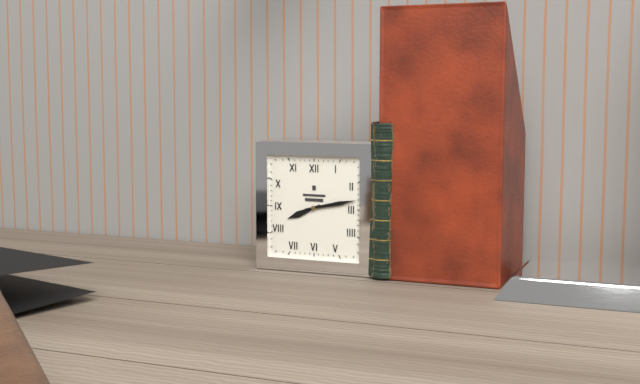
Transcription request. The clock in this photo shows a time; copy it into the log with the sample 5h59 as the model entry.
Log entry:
8h13
